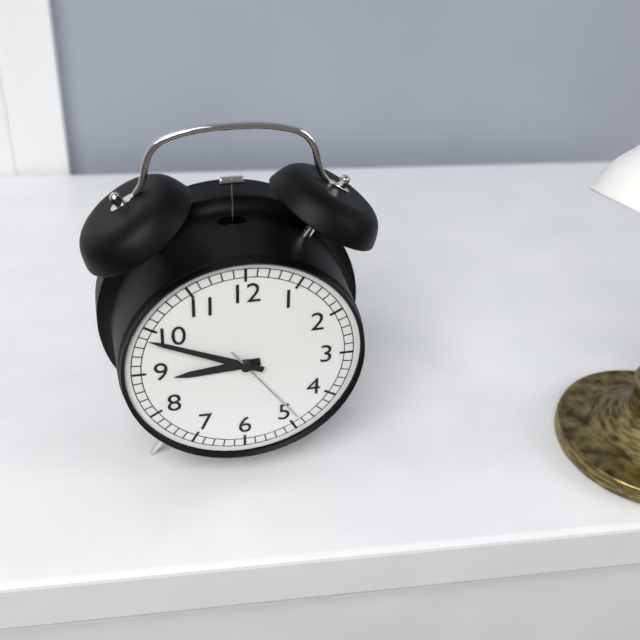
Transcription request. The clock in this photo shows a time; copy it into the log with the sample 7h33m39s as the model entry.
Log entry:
8h49m24s
